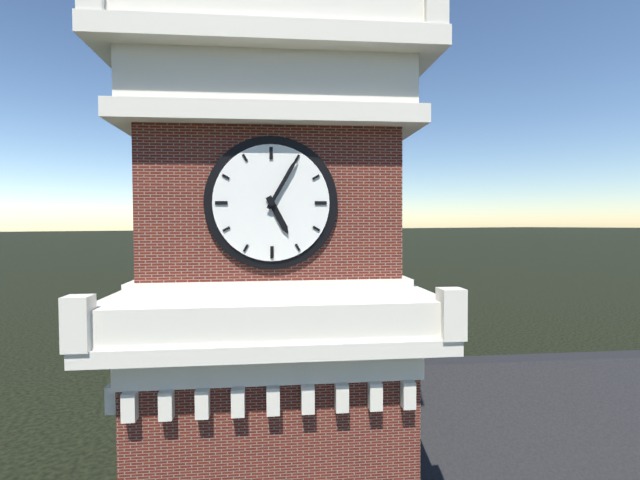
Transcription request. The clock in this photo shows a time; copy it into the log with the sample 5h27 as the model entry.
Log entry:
5h05
